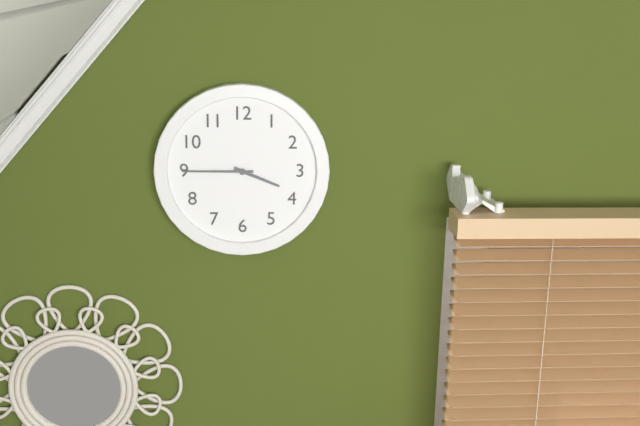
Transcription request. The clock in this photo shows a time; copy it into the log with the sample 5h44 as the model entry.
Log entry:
3h45
